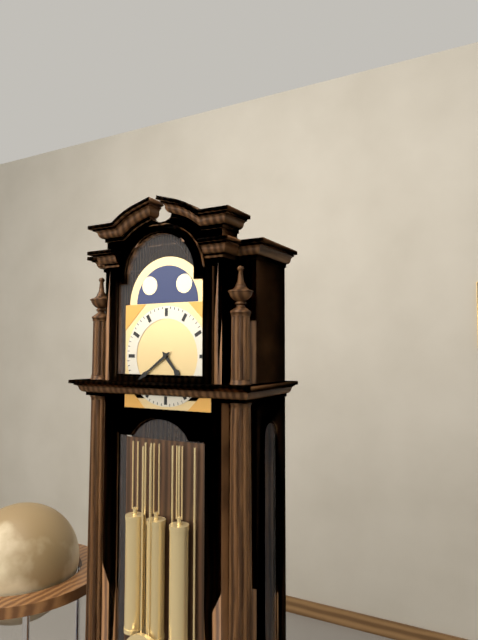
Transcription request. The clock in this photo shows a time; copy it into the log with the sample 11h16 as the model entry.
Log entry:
4h39
